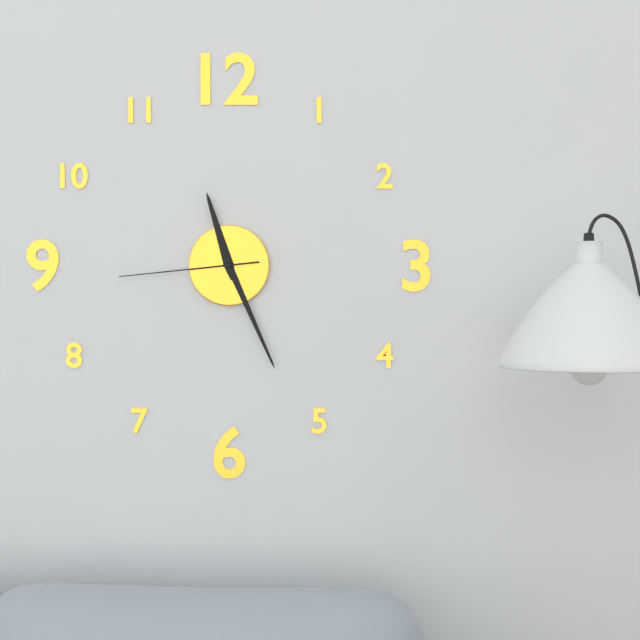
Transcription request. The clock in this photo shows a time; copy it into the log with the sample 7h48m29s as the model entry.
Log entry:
11h26m44s
